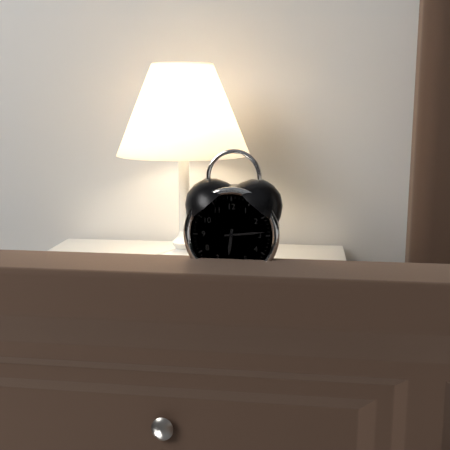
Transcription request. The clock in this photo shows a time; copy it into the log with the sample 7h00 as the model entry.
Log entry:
6h14
